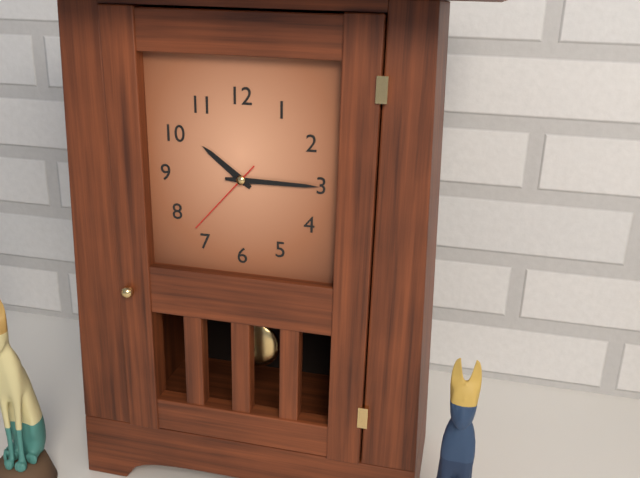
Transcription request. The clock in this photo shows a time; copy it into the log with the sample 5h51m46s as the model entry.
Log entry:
10h15m37s
